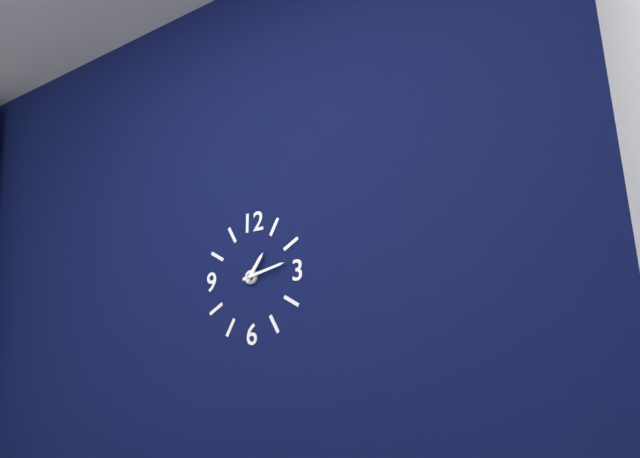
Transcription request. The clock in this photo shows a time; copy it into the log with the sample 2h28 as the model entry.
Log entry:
1h13
